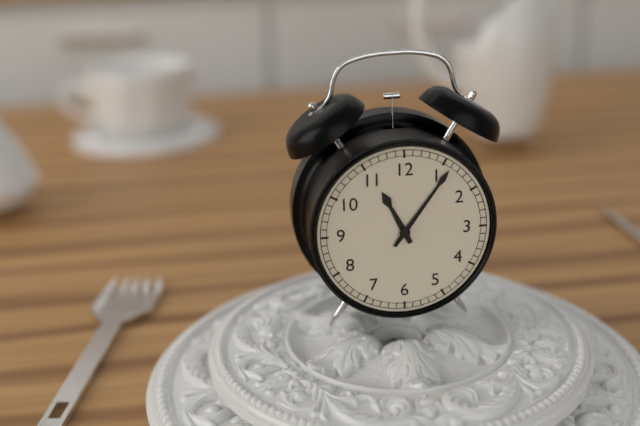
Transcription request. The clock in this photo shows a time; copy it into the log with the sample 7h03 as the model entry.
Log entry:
11h06
